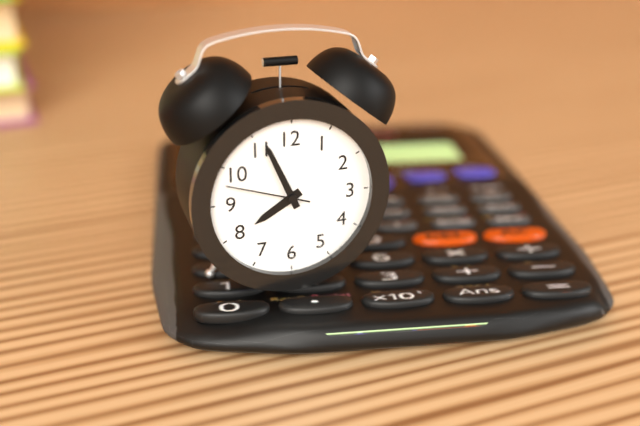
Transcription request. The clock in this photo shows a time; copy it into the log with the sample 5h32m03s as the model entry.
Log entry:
7h56m48s
